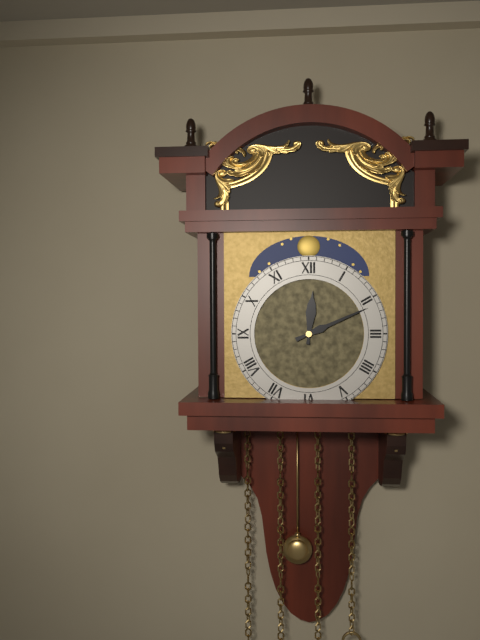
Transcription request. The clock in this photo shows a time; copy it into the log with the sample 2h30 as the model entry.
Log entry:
12h11
